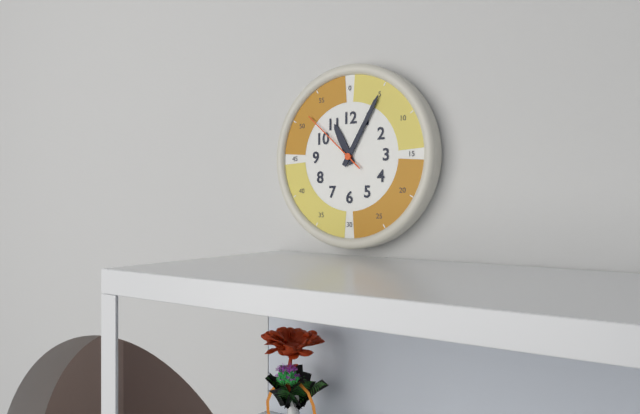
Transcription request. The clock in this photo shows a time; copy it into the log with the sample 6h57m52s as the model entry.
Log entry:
11h05m52s
